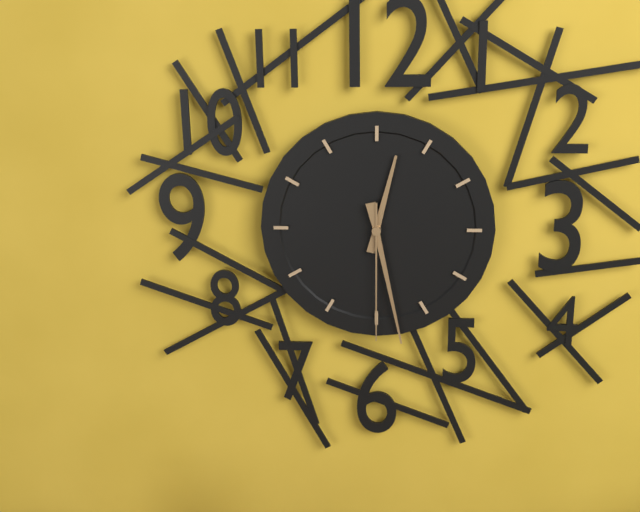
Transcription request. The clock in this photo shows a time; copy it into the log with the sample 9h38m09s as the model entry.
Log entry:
12h28m30s
